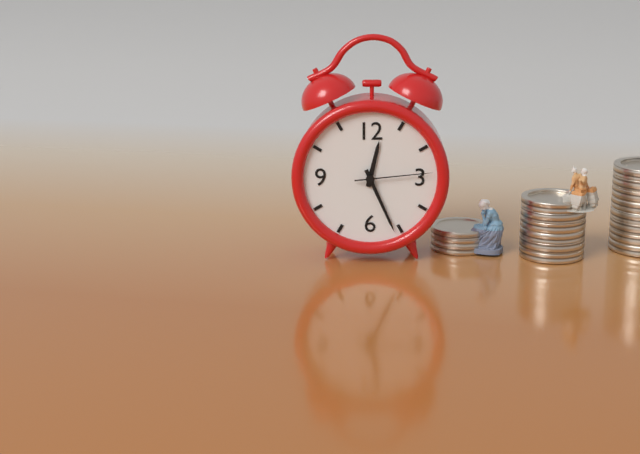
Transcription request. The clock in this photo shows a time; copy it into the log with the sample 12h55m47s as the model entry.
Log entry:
12h26m14s
